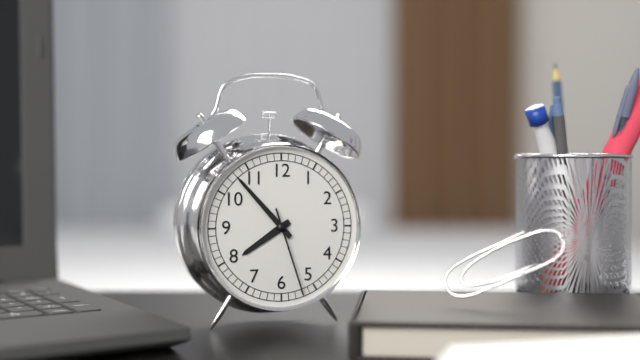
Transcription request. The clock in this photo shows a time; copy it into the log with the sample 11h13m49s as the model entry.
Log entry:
7h53m27s
